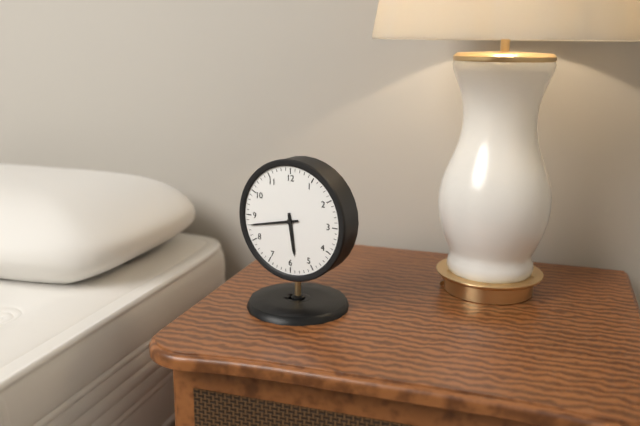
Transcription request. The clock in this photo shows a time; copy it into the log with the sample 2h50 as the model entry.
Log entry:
5h43
